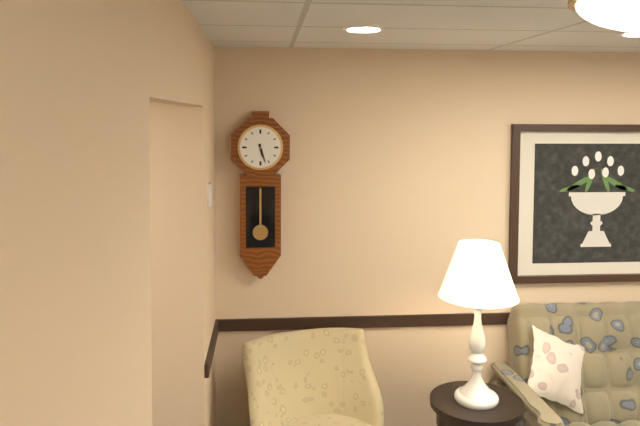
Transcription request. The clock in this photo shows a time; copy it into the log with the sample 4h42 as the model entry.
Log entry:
5h27
